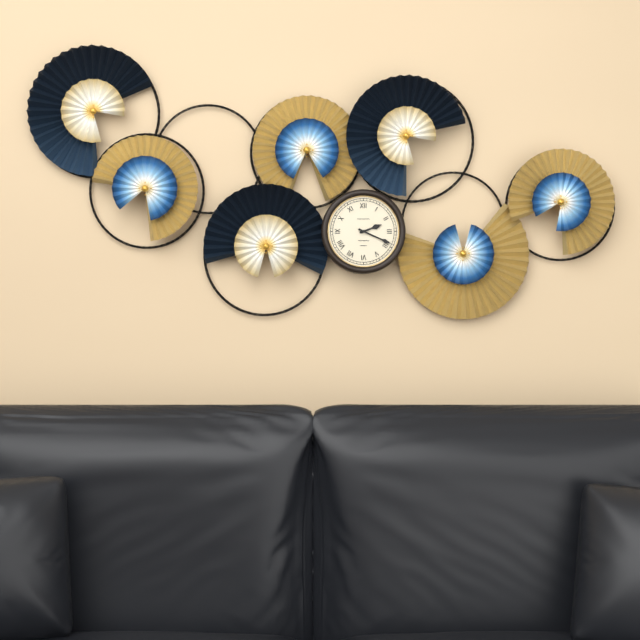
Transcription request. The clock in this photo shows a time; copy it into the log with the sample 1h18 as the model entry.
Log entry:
2h19
